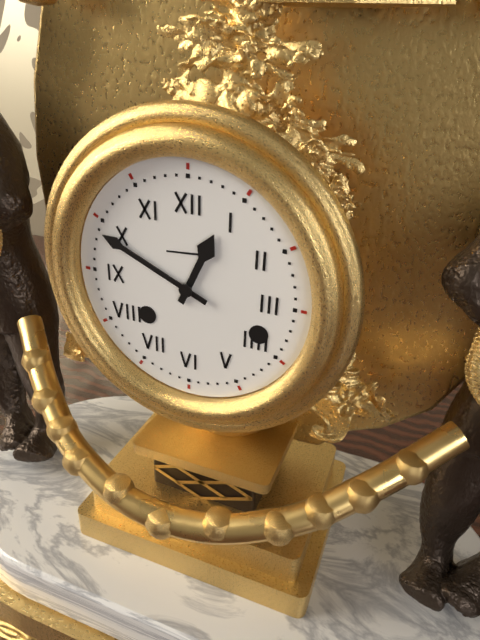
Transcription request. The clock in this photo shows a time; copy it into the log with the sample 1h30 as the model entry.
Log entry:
12h49
